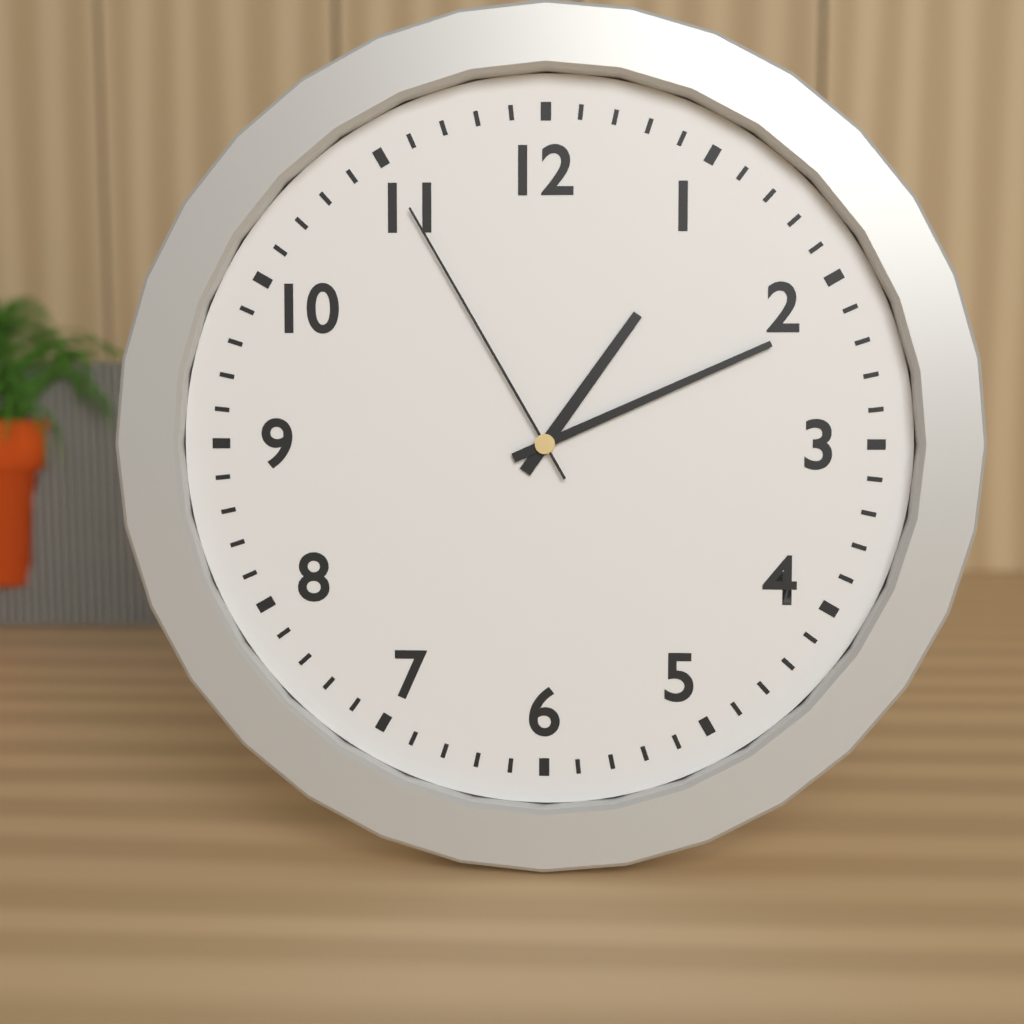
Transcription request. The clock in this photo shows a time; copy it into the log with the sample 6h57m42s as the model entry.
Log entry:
1h11m55s
